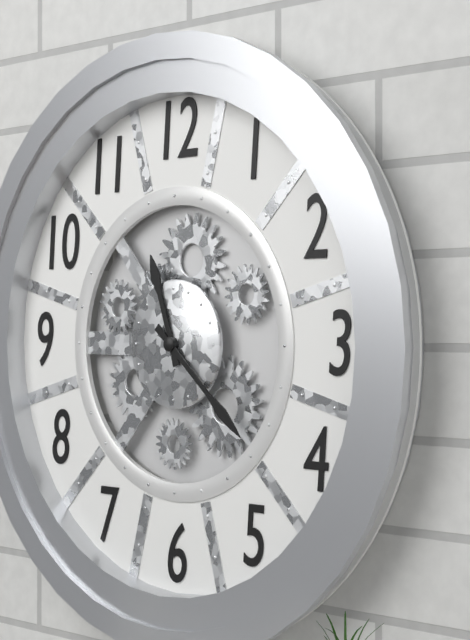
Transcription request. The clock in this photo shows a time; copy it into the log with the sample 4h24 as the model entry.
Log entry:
11h22
